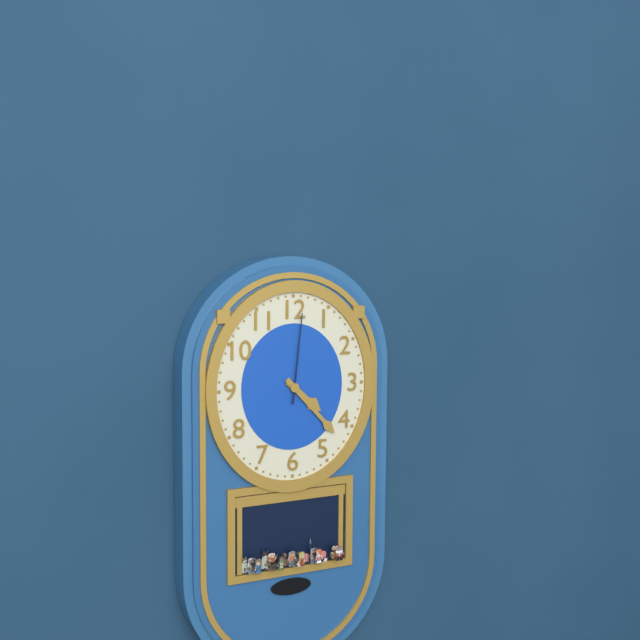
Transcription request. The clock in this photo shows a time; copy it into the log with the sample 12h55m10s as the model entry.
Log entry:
4h23m01s
